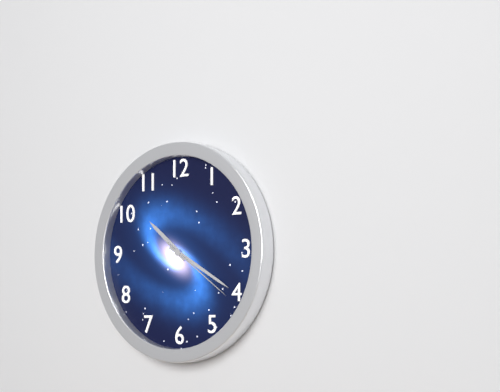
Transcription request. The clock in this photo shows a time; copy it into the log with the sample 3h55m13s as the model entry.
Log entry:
10h20m21s
